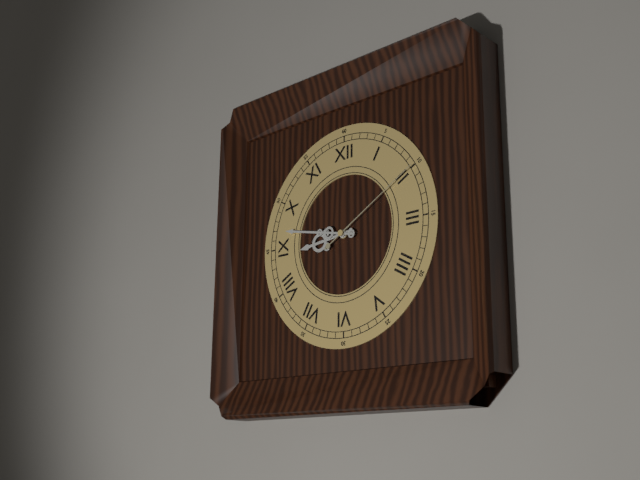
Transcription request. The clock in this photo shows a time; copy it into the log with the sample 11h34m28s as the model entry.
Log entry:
8h47m10s
